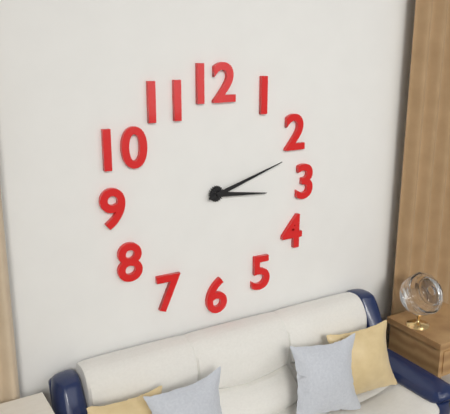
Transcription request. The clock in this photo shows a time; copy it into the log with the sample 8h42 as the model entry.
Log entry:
3h12
